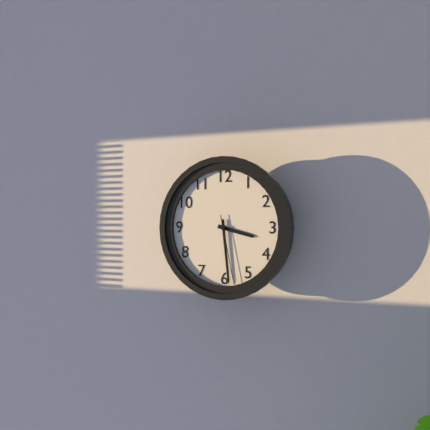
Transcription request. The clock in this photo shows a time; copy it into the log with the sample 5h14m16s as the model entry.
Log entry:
3h29m28s
